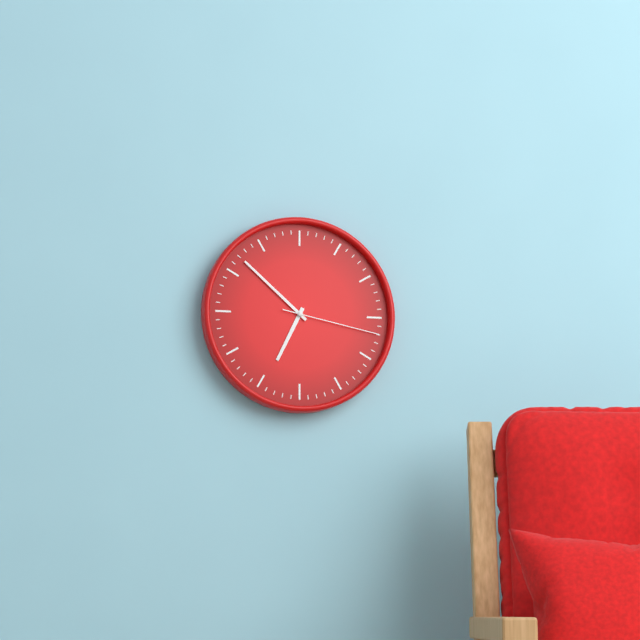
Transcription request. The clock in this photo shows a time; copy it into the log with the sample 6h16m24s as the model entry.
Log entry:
6h52m17s
